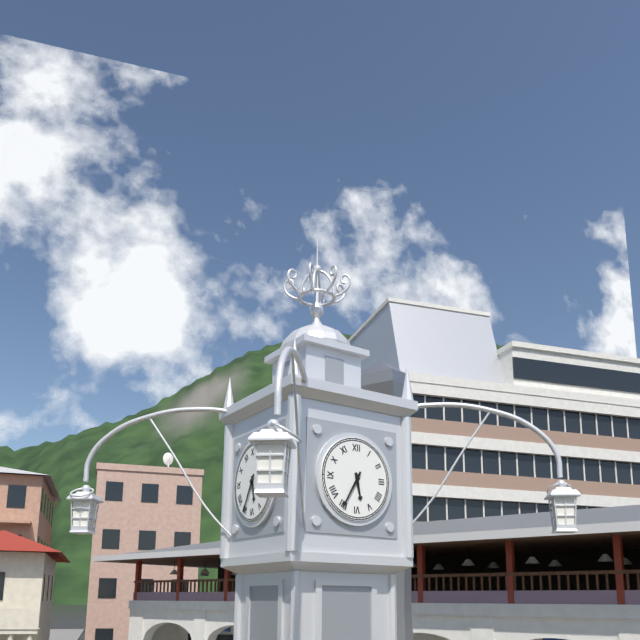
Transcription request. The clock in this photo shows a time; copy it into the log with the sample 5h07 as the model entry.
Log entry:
5h35
